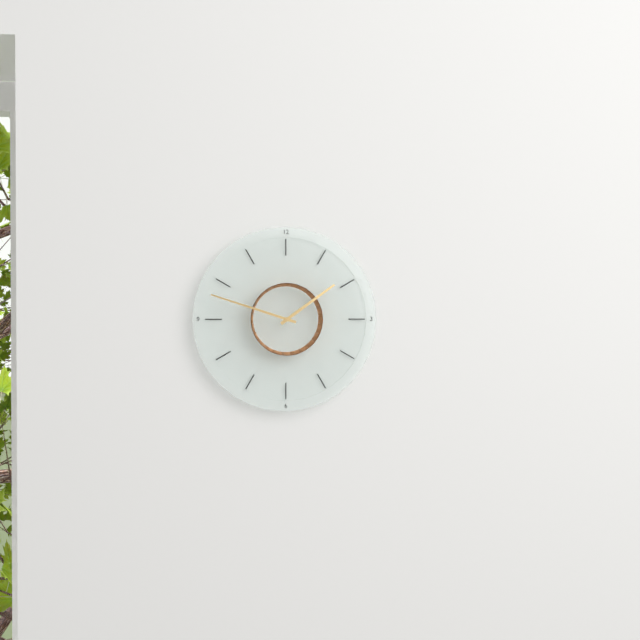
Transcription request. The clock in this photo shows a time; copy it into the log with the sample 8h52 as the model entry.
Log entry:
1h48
